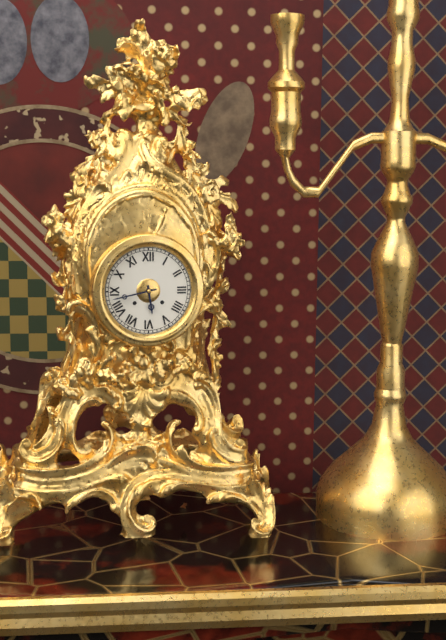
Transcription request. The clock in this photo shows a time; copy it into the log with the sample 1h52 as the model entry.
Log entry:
5h43
